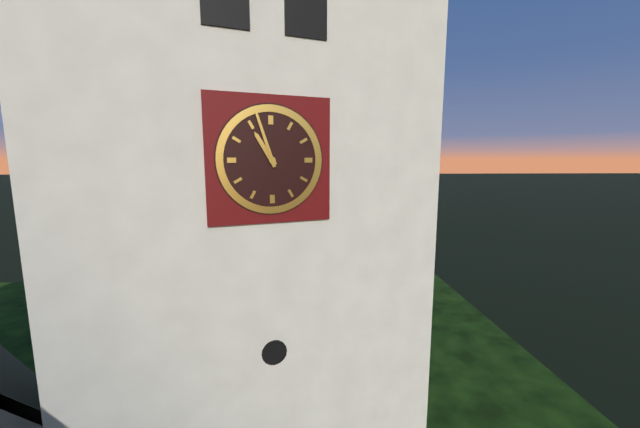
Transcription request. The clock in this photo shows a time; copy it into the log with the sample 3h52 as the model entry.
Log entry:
10h57
